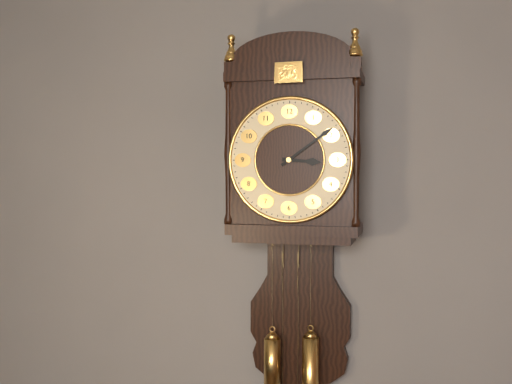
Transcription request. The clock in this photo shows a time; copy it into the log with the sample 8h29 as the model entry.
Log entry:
3h09
